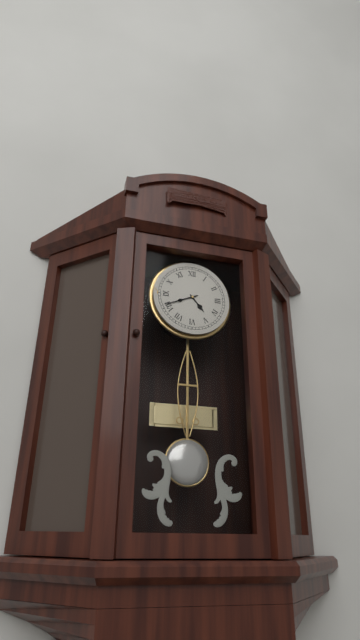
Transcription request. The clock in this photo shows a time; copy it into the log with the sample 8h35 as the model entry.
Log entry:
4h41
